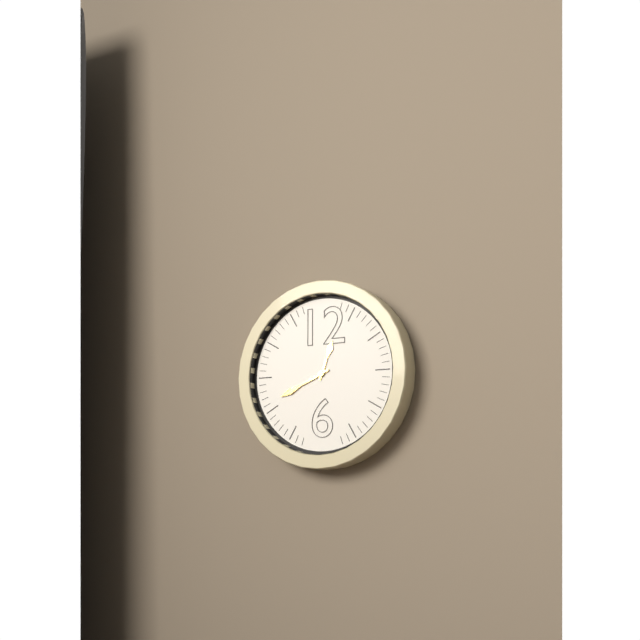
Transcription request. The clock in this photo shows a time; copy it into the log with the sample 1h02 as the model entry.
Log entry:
12h41
